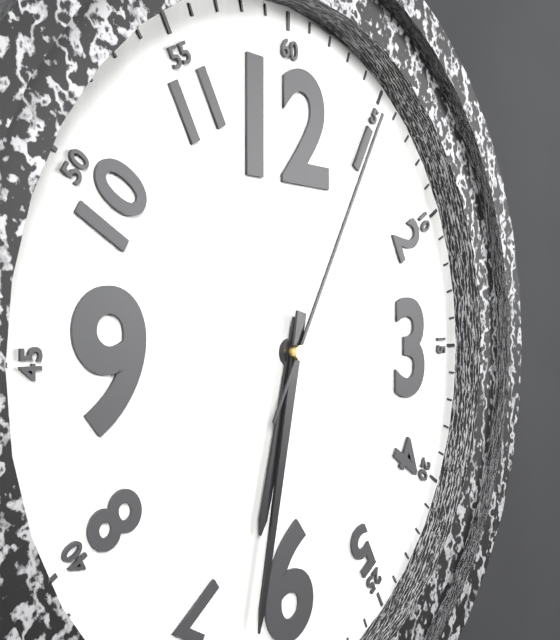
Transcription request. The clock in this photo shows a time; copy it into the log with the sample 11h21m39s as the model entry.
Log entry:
6h32m05s
